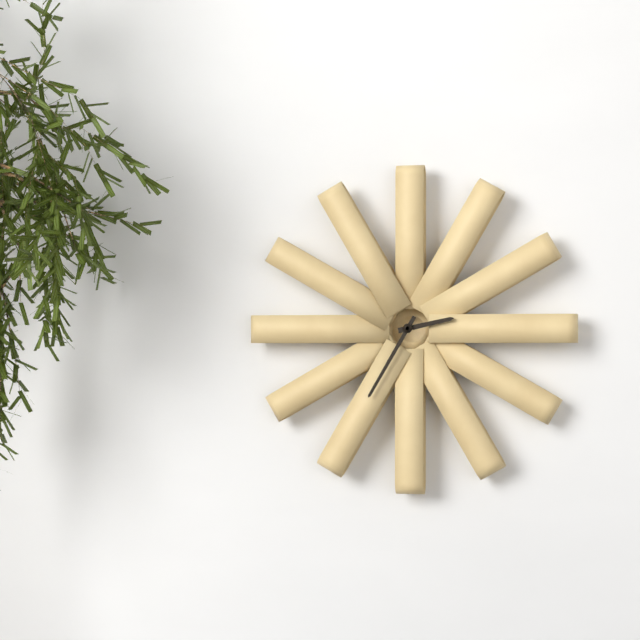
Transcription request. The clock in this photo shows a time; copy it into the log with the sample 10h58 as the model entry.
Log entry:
2h35
